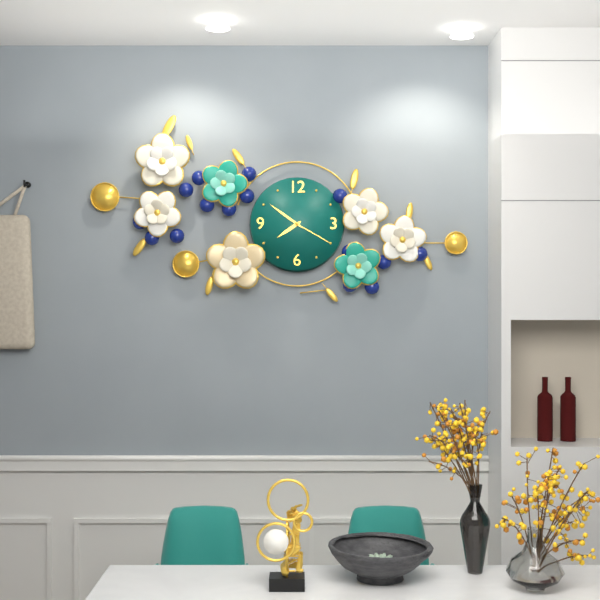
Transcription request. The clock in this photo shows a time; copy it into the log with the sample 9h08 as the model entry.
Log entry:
7h51
